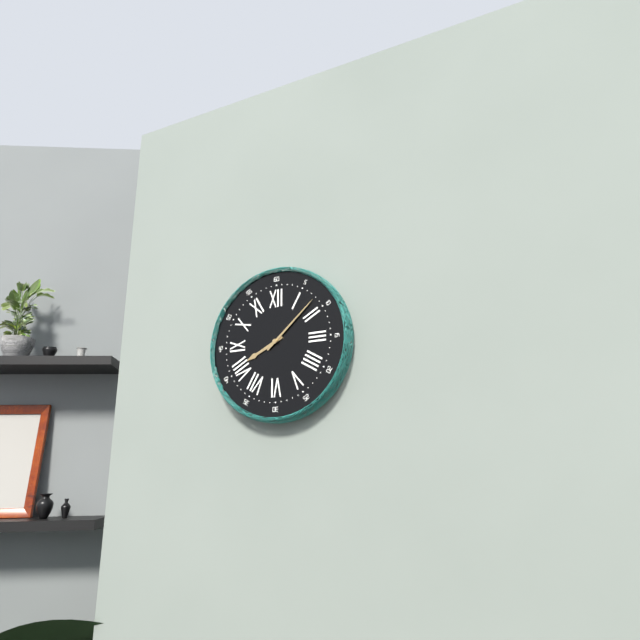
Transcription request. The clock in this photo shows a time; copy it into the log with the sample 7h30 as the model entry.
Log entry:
8h08
